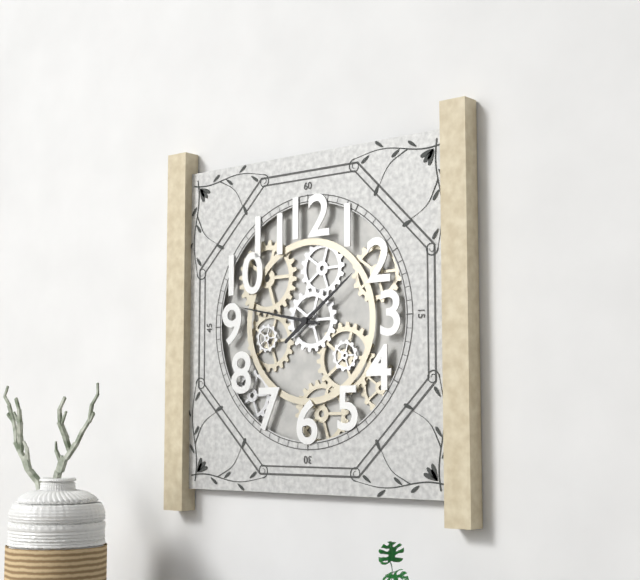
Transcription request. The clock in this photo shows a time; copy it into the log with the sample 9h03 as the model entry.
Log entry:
1h47
